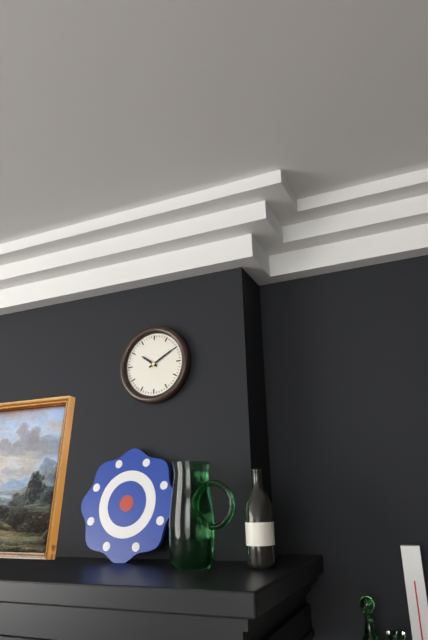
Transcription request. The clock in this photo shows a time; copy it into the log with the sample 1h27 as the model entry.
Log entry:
10h10
